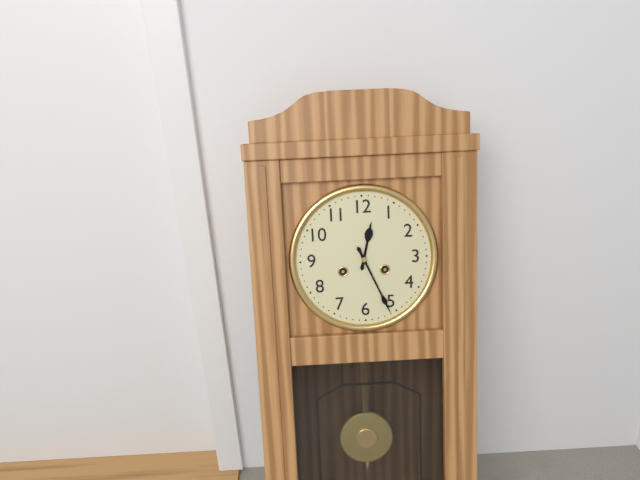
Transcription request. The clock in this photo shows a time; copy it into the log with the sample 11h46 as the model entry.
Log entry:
12h26
